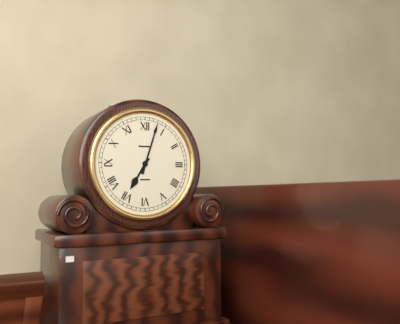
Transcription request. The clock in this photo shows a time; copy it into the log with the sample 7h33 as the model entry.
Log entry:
7h03
